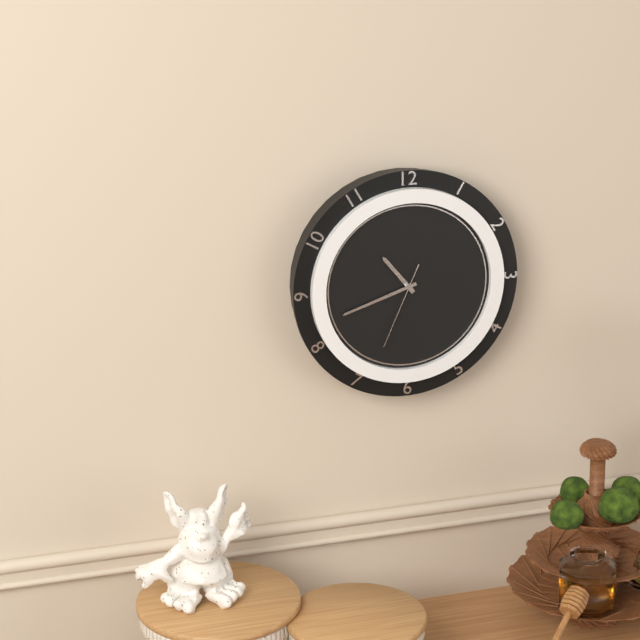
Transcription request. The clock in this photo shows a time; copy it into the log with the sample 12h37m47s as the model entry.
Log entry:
10h42m34s
